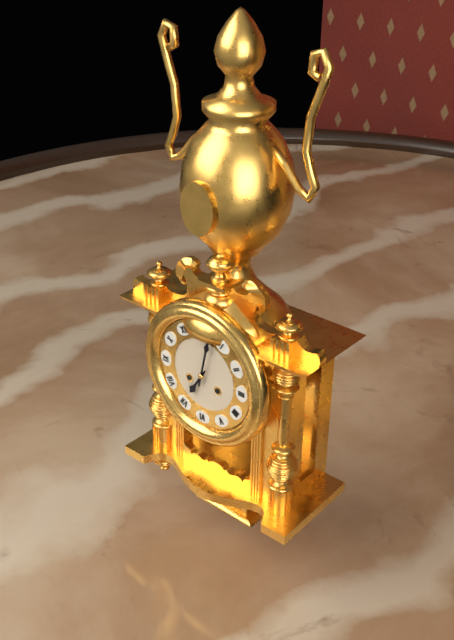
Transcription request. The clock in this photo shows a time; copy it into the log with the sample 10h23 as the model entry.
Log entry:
7h02
